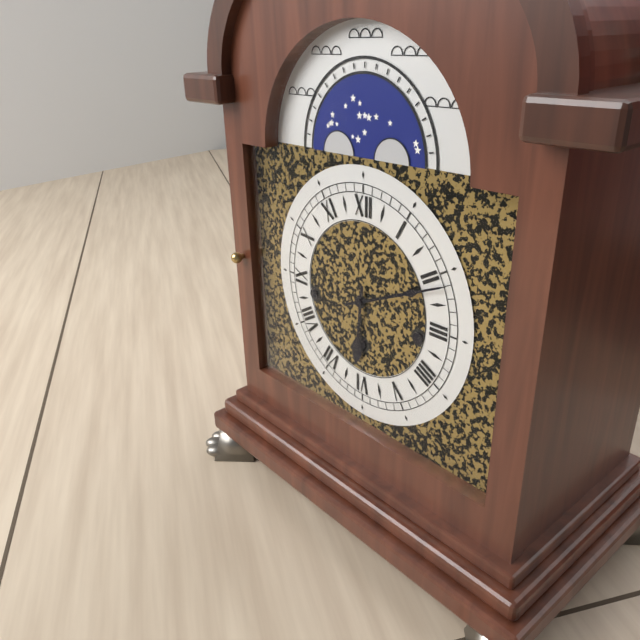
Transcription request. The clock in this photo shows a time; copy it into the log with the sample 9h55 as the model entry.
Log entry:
6h11
